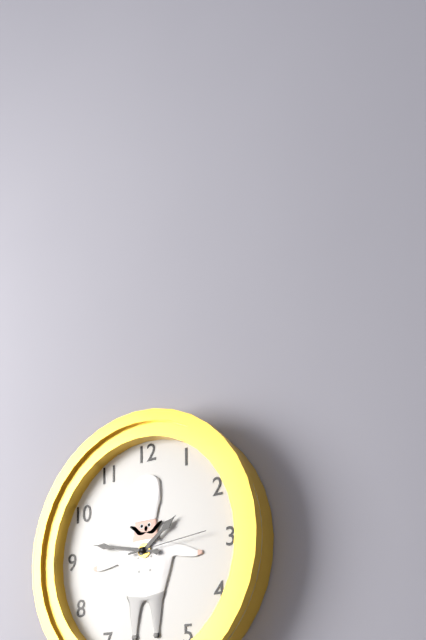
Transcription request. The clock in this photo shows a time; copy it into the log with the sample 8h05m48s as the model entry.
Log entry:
1h47m14s
